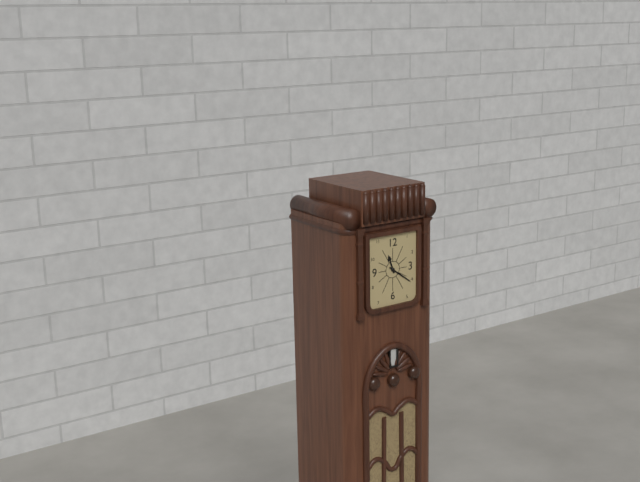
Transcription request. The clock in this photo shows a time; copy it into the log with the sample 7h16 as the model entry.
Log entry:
11h21
